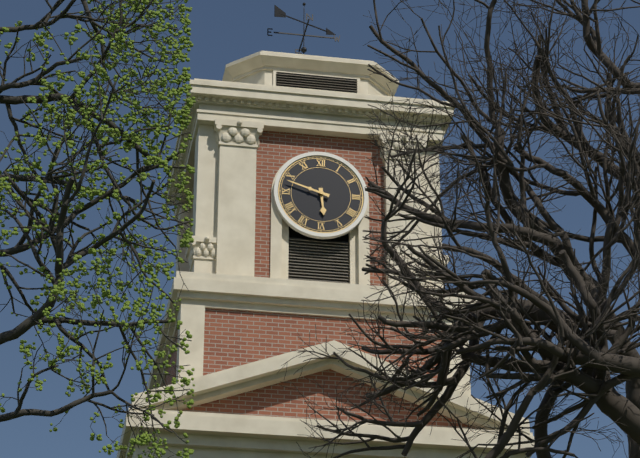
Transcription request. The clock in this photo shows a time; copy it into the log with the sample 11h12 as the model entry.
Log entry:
5h48
